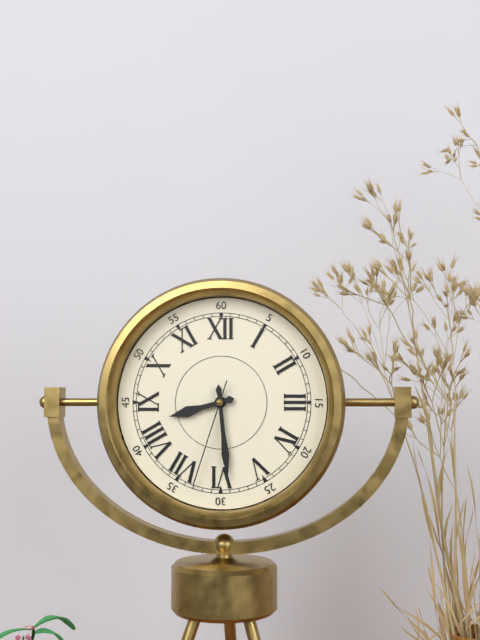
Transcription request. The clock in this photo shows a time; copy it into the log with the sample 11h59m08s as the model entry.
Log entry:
8h29m33s
